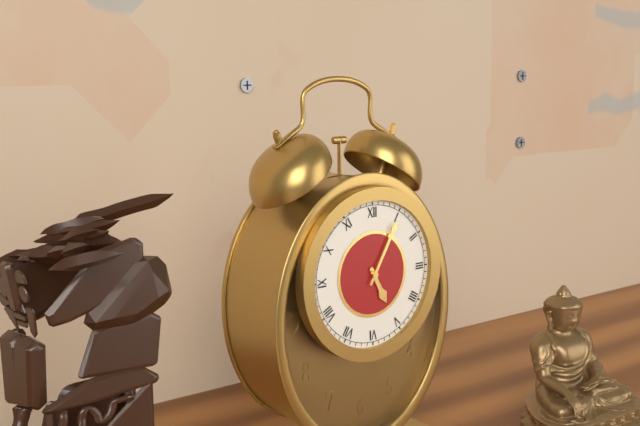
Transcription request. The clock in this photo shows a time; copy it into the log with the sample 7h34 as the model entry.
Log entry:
5h05
